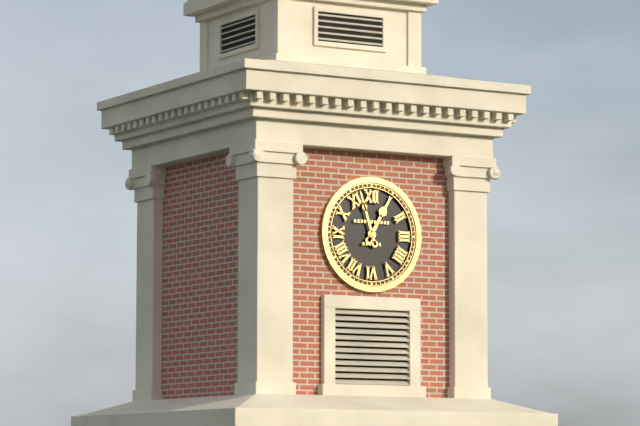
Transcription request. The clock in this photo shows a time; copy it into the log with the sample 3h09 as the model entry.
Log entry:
12h57
